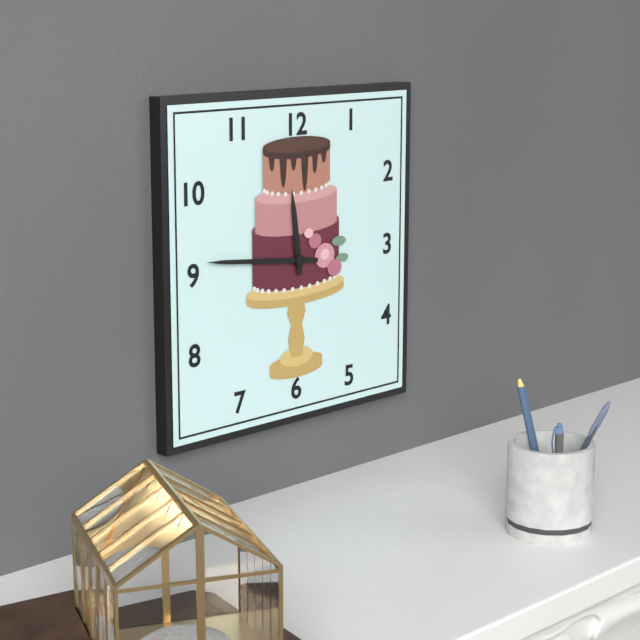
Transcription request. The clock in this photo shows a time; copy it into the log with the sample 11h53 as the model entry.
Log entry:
11h46
